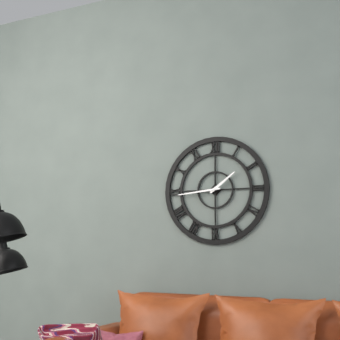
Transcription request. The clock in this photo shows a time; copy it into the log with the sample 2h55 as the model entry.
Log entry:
1h44
